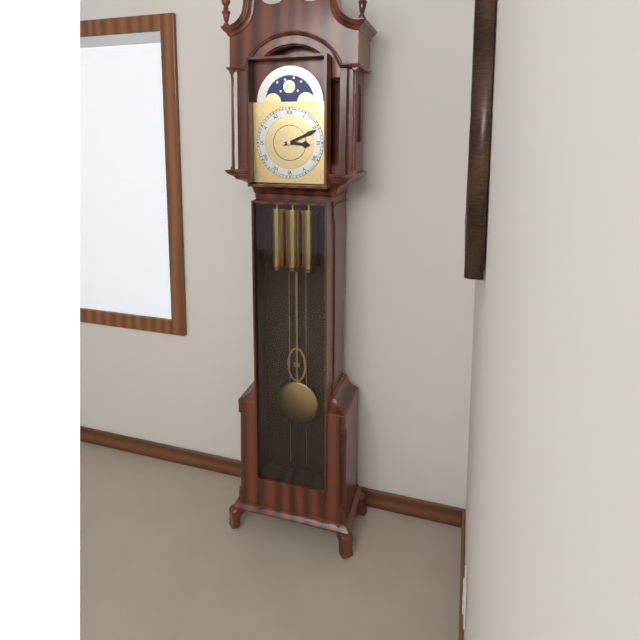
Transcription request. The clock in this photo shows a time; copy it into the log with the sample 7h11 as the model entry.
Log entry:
3h11
